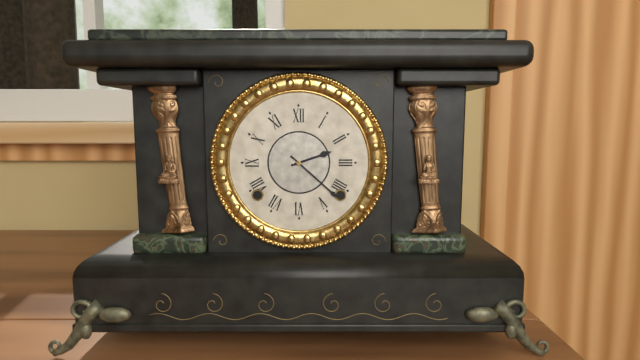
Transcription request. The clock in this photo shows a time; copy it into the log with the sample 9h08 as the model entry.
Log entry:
2h22
